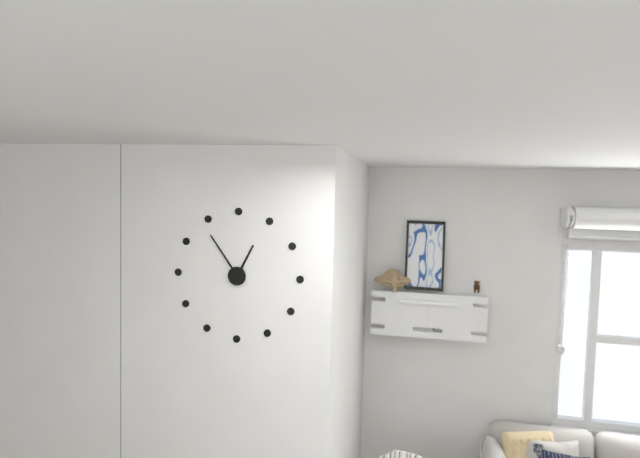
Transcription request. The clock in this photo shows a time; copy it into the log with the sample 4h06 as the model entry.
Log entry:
12h54
